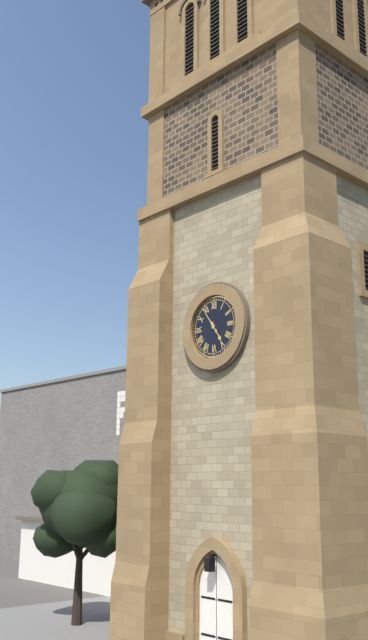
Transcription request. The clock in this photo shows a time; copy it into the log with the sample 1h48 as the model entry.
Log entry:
4h54
